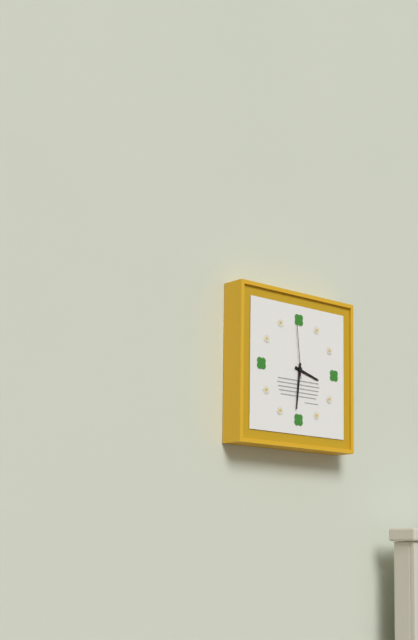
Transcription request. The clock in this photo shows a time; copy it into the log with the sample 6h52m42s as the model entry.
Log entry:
3h31m59s
